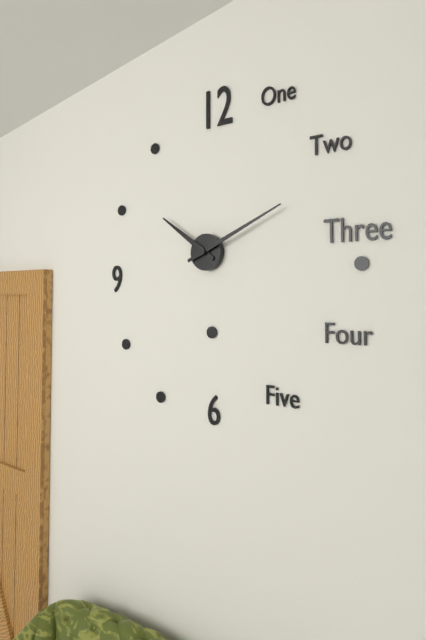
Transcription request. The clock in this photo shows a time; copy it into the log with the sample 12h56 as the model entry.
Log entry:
10h11
